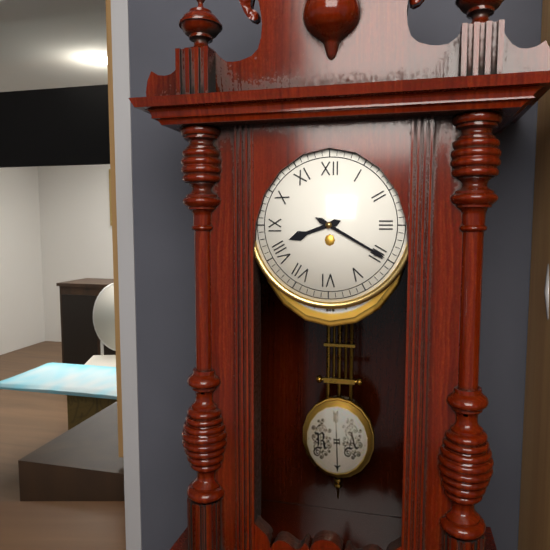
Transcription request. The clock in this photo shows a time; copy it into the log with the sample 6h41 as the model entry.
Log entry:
8h20
